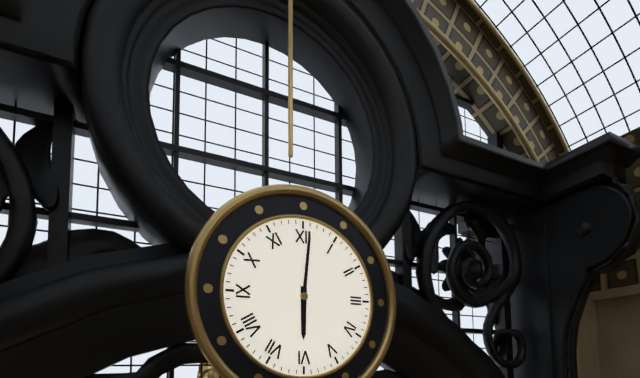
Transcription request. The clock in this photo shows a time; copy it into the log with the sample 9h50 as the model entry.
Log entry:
6h01
